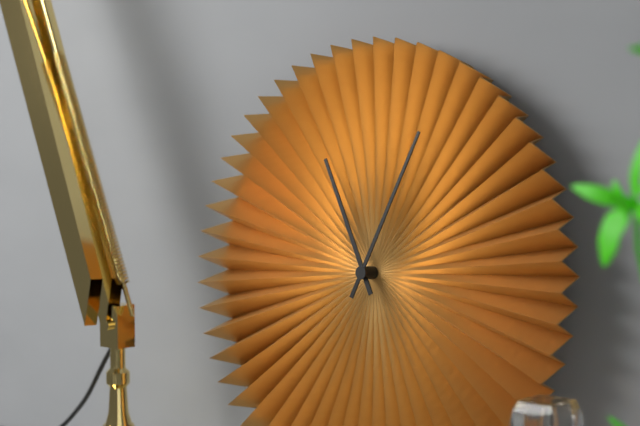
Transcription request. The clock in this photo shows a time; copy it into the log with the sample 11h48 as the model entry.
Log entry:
11h04
